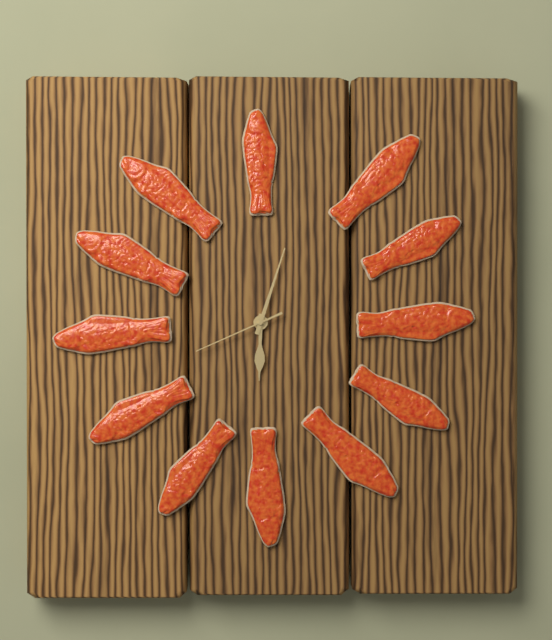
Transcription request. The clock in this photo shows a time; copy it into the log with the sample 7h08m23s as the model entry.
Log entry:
6h03m41s
